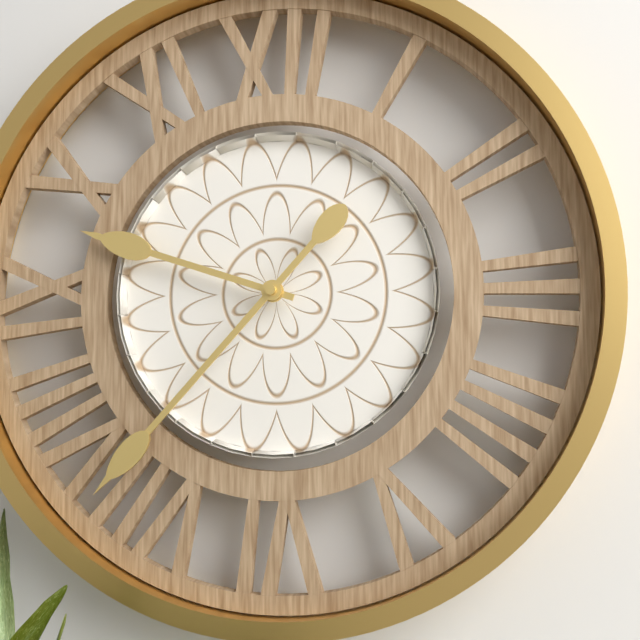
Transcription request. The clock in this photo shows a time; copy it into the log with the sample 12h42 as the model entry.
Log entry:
9h37
